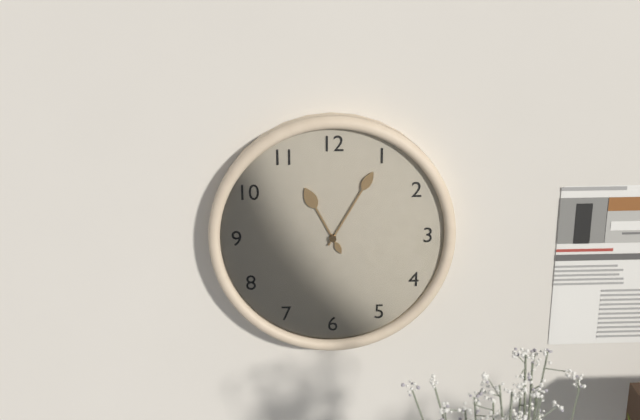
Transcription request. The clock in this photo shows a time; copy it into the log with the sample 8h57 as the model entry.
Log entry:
11h05
